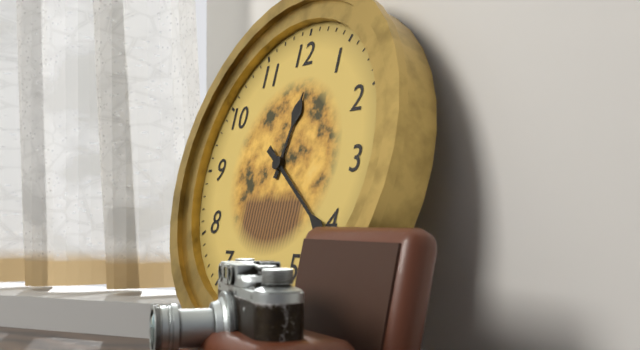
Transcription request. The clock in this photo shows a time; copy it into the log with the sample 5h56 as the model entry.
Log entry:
12h21
